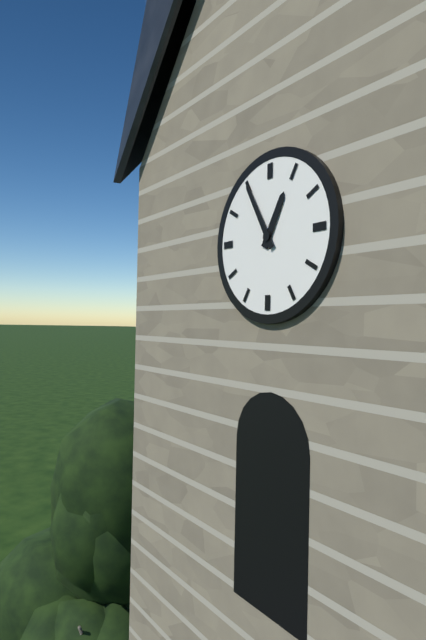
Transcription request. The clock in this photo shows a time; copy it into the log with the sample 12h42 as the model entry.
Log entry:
12h55
